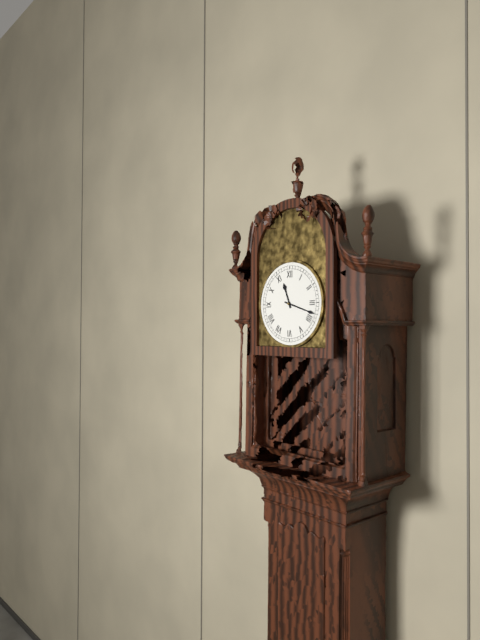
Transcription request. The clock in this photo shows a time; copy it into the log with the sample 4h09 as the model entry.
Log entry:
11h18
